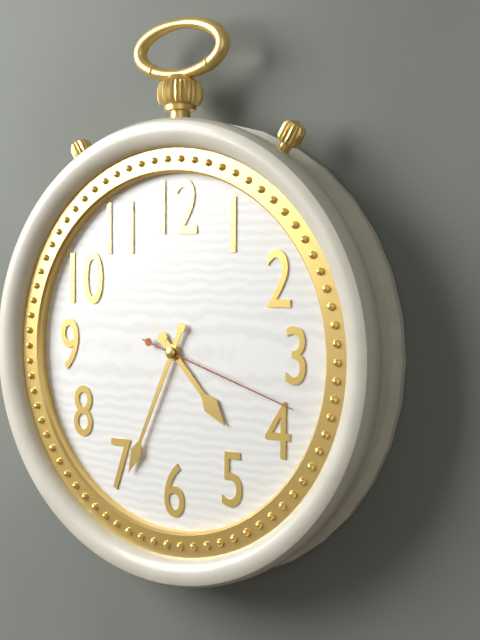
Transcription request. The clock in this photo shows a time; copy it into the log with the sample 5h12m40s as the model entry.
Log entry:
4h34m18s
